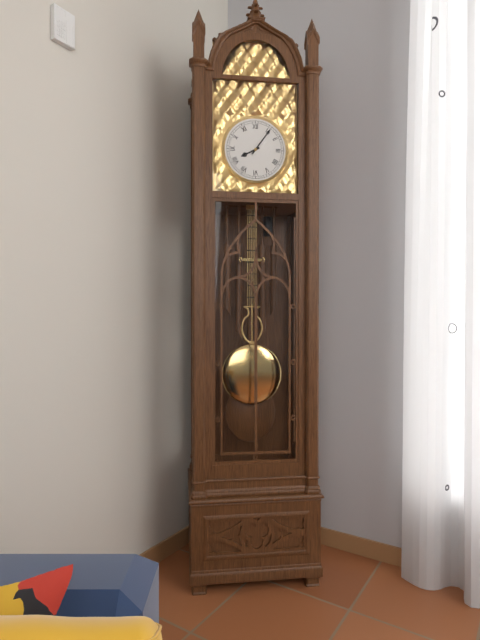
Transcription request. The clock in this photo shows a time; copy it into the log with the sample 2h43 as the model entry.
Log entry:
8h06
